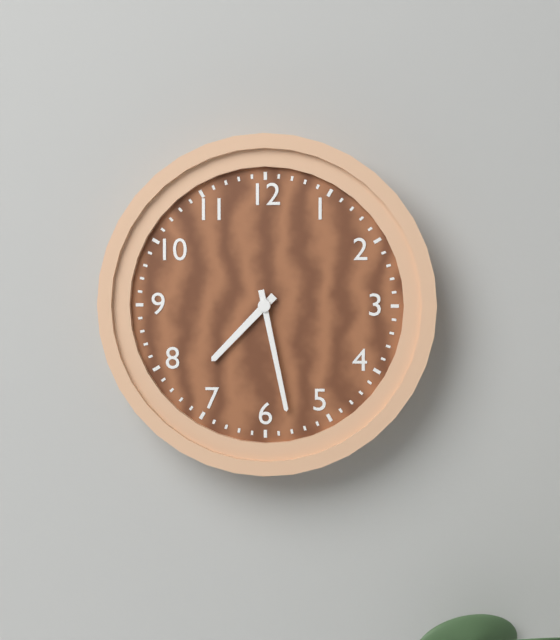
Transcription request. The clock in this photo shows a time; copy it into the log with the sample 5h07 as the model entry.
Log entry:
7h28
